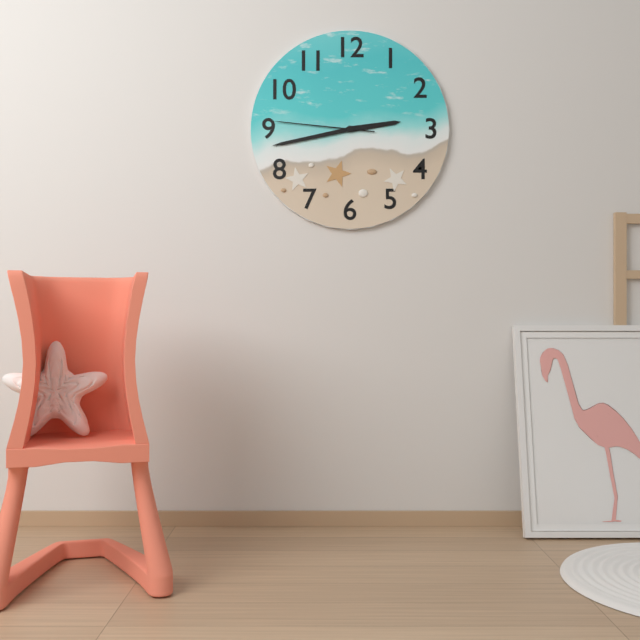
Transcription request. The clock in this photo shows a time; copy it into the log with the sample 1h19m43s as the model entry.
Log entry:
2h43m46s
